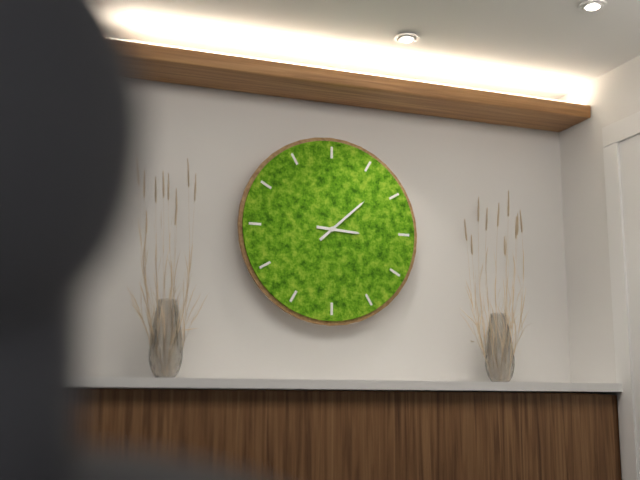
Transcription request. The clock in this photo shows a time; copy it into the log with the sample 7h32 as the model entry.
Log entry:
3h08
